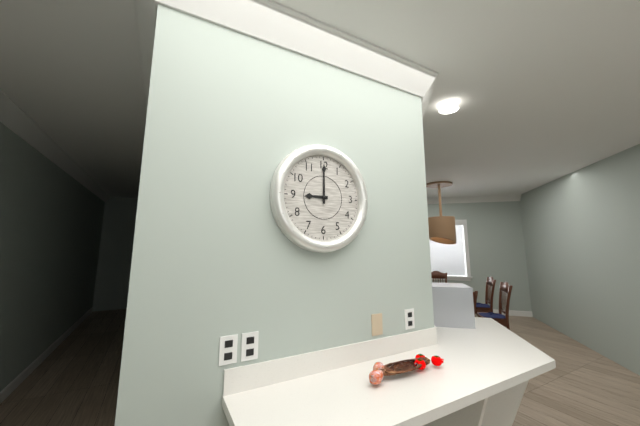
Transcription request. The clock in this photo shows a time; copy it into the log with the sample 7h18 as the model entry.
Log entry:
9h00
